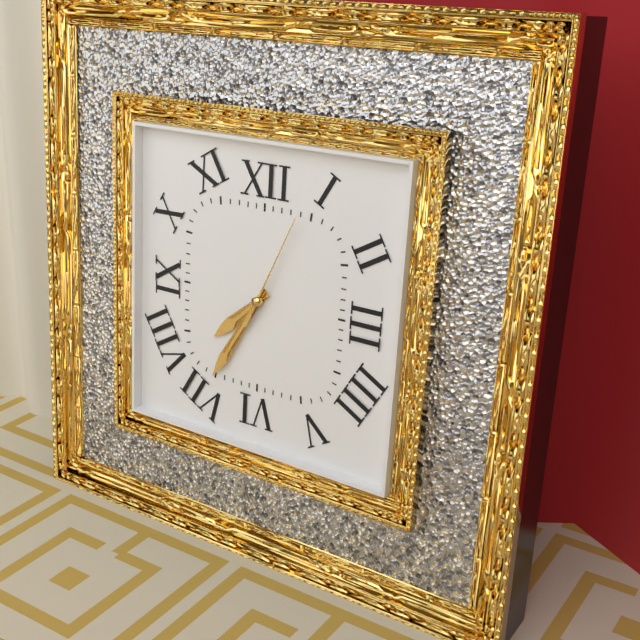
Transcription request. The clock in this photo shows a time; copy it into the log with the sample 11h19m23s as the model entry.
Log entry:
7h35m04s
